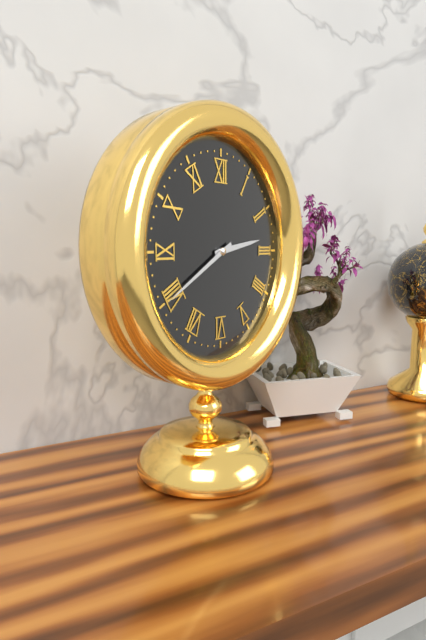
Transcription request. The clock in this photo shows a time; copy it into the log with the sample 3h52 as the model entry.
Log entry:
2h40
